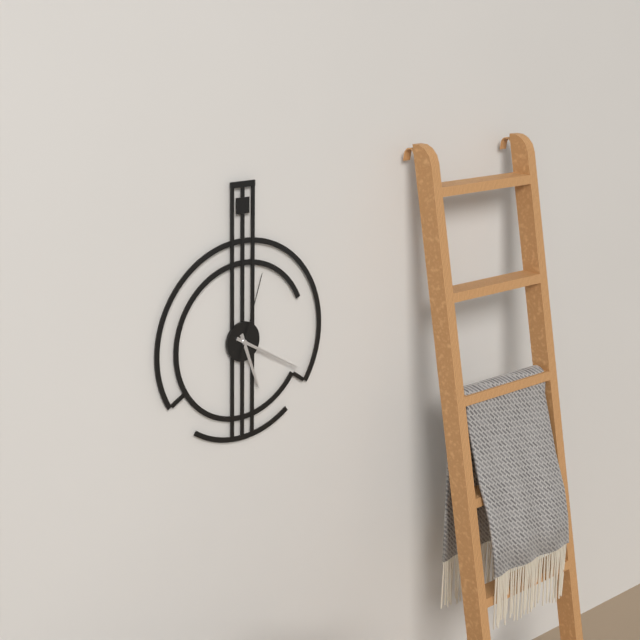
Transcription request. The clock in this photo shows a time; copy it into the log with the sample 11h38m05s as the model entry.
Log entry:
5h20m03s
